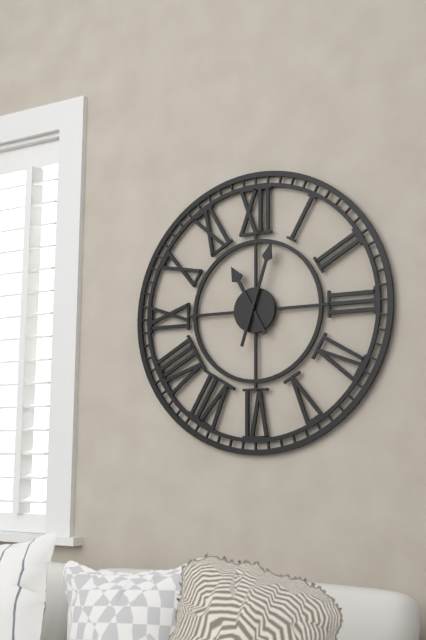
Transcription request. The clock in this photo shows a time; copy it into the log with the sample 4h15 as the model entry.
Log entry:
11h03
